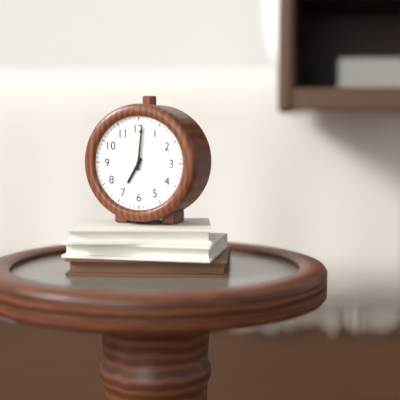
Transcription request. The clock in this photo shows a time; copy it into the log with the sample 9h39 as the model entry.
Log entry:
7h01
